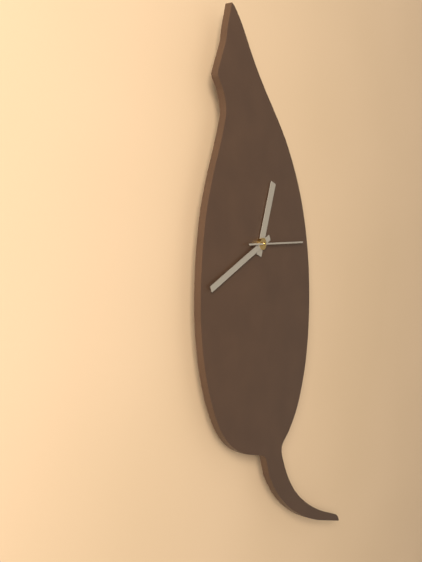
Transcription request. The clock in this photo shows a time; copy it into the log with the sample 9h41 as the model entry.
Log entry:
12h41
